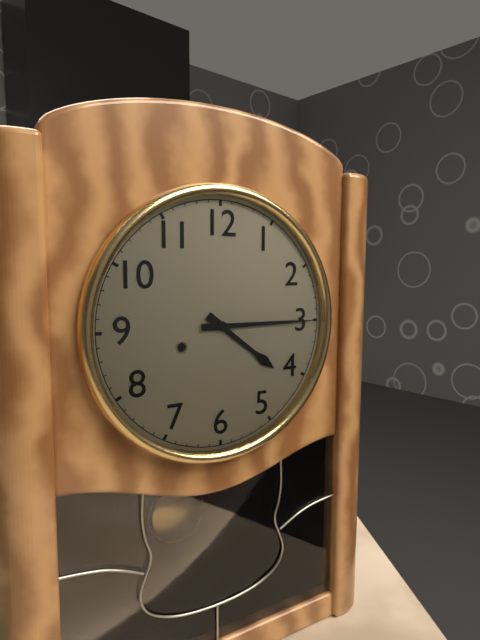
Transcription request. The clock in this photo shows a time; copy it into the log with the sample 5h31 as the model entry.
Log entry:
4h15
